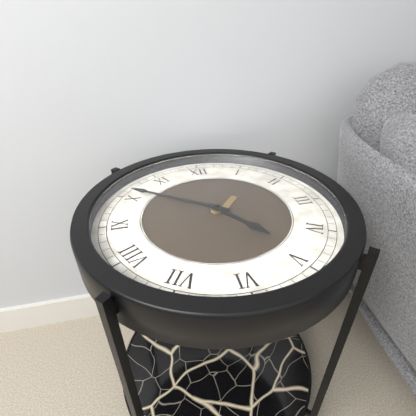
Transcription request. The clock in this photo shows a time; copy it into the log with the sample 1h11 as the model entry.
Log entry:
4h51
